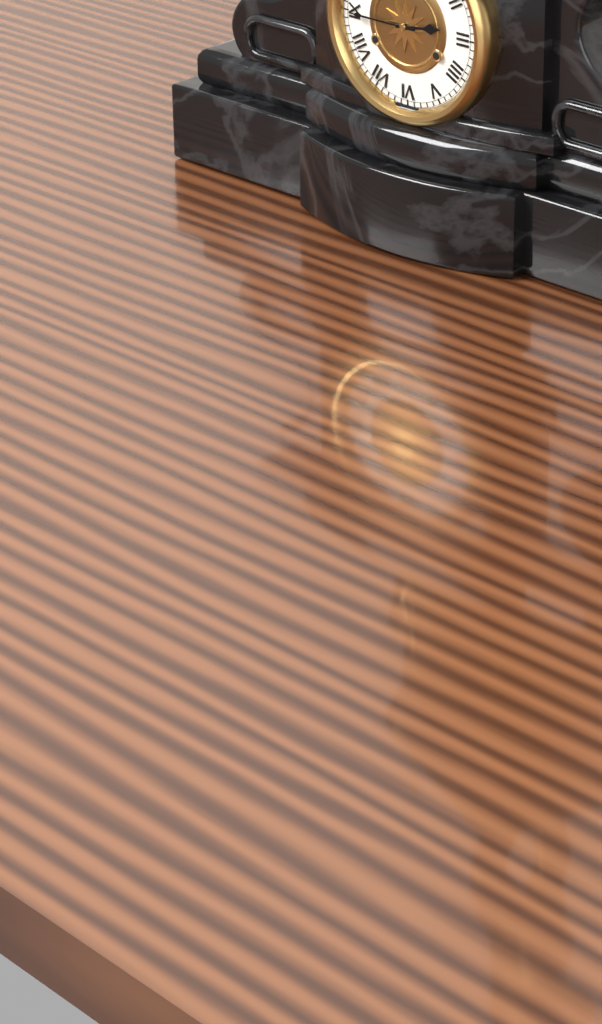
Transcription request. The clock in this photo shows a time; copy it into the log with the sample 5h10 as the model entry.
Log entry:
2h45
